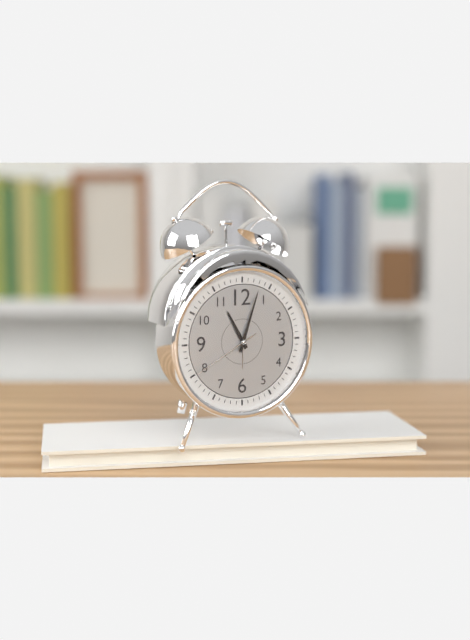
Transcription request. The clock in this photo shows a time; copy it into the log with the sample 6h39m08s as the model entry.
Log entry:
11h03m40s
